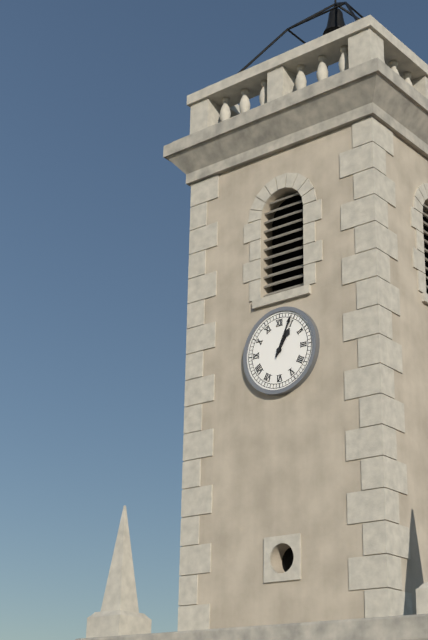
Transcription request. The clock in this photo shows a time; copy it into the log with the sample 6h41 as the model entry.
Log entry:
1h04
